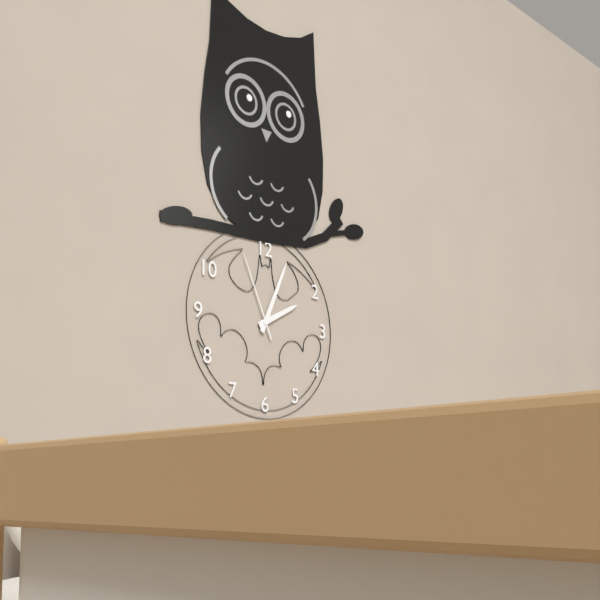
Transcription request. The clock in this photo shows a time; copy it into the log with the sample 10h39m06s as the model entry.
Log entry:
2h04m56s
